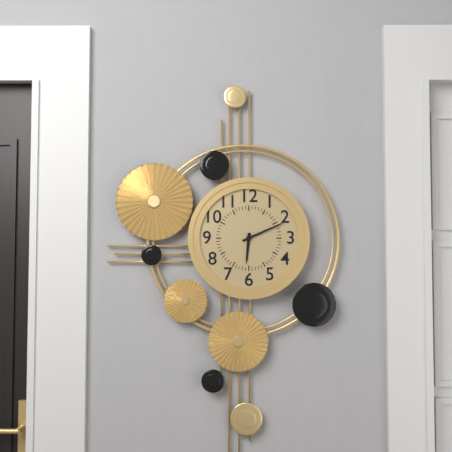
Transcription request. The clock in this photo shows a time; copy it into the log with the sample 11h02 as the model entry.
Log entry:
6h11
